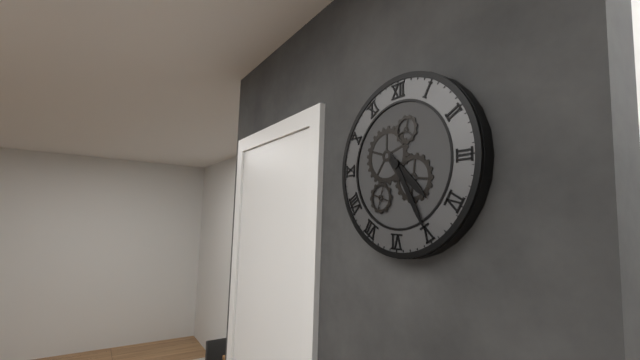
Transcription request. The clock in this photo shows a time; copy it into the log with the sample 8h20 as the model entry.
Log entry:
4h25
